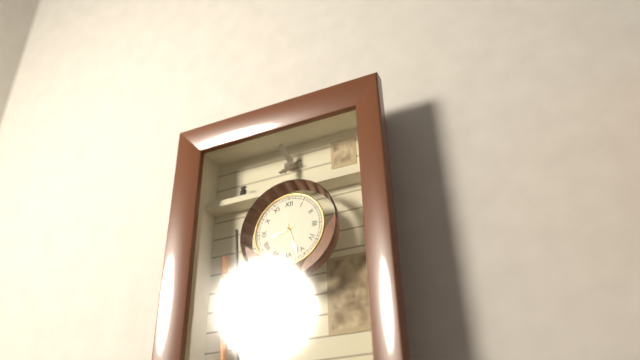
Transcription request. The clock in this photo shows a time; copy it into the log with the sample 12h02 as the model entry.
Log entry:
8h27
